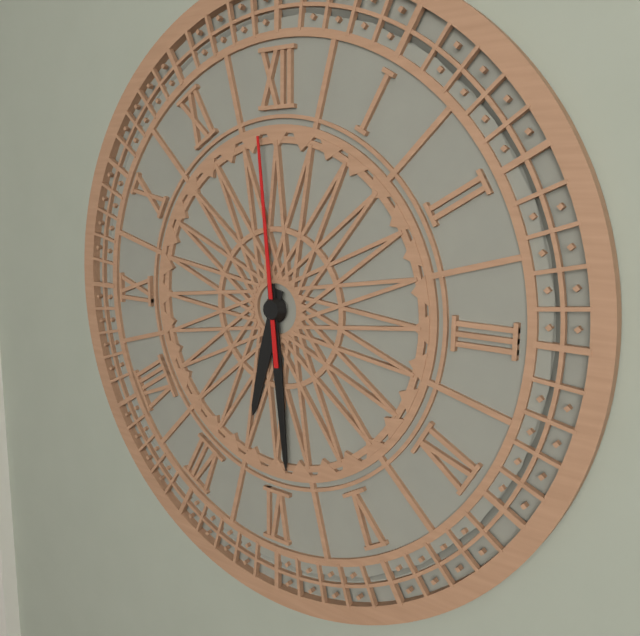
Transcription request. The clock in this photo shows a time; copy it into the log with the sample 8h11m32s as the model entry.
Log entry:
6h29m59s
